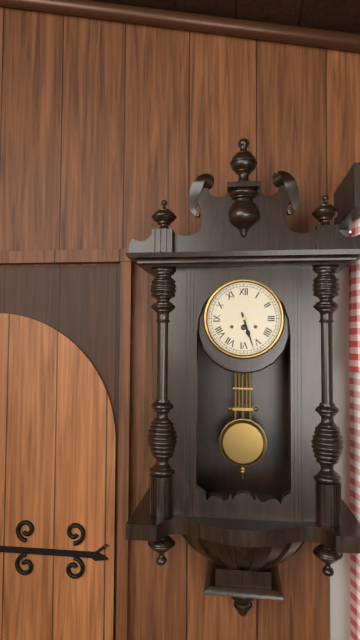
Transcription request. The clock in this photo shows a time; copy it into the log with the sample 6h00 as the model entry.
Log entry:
5h27
